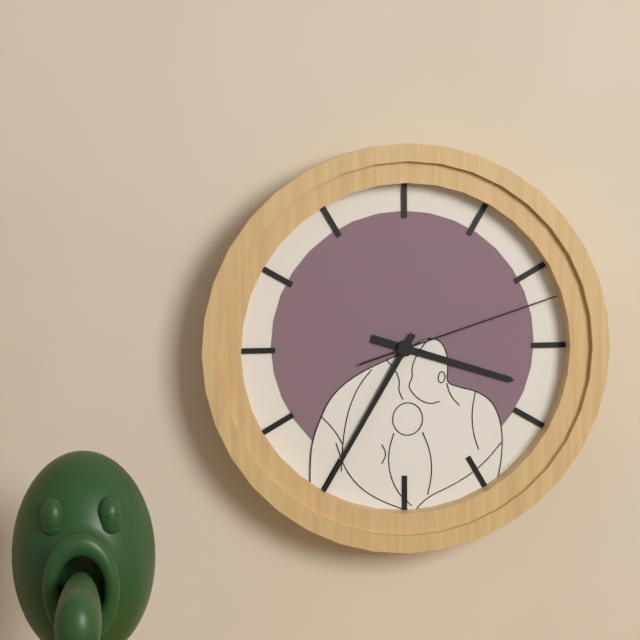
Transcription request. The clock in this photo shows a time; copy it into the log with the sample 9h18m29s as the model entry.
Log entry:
3h35m12s
